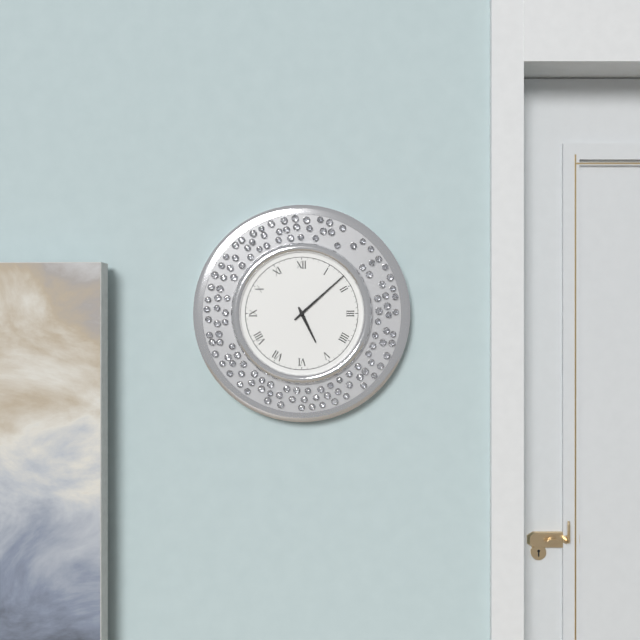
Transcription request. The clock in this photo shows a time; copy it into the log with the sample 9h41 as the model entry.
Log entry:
5h08
